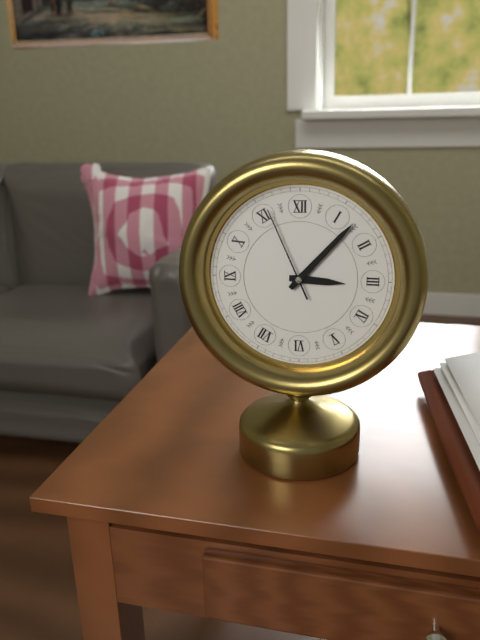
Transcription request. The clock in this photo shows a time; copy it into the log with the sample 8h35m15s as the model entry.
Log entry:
3h07m56s
